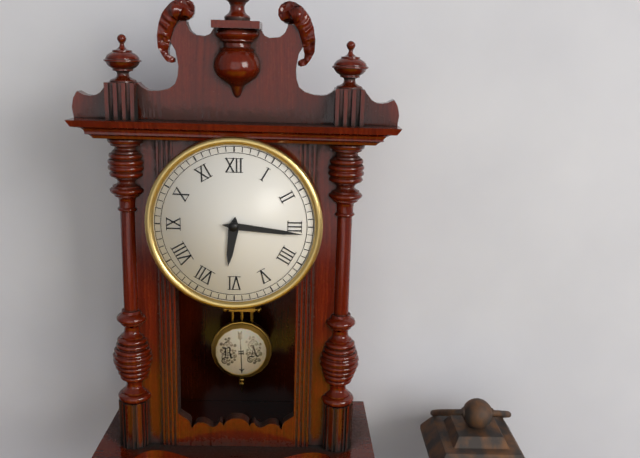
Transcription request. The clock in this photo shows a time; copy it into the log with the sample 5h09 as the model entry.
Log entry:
6h16
